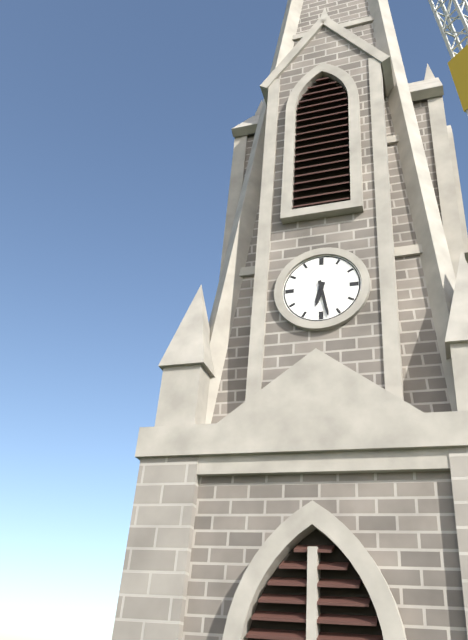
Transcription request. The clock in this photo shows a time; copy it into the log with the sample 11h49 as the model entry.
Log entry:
6h28
